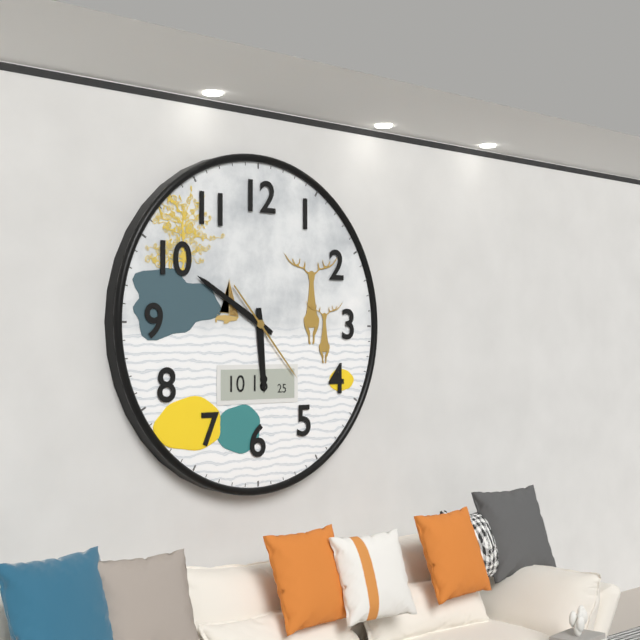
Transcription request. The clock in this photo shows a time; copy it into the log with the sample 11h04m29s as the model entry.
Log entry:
5h50m23s
